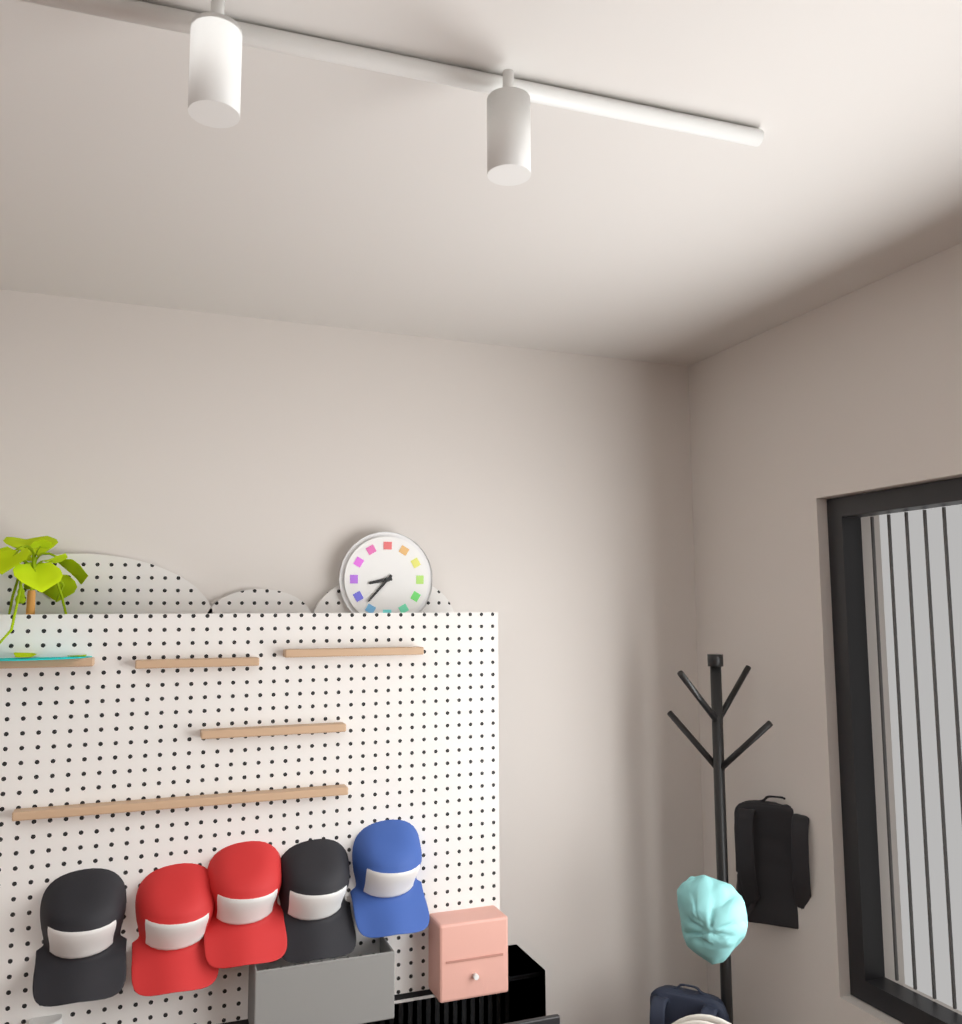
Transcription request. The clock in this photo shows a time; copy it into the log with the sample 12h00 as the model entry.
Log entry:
8h37
